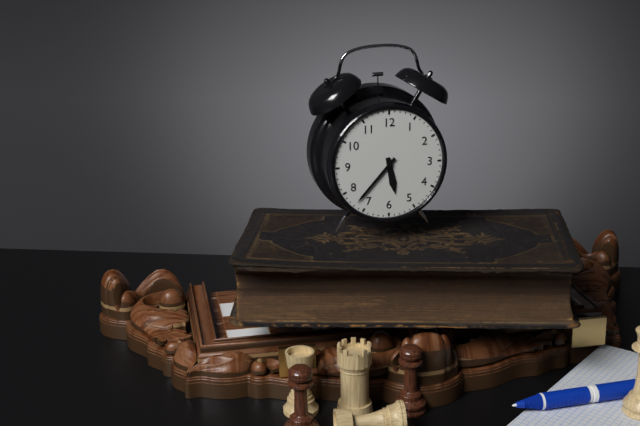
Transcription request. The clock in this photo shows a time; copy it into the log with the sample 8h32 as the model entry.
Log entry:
5h37
